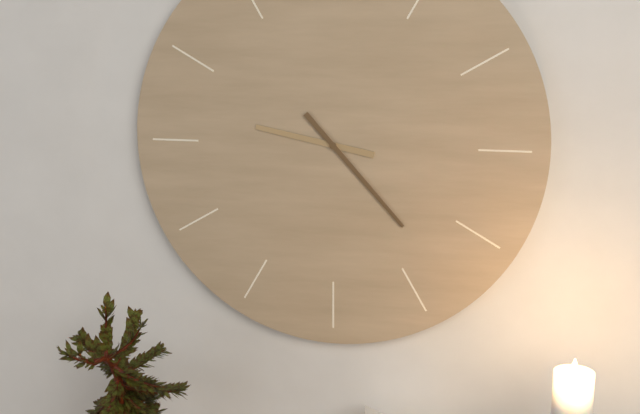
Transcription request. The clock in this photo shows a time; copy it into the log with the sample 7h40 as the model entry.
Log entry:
9h23
